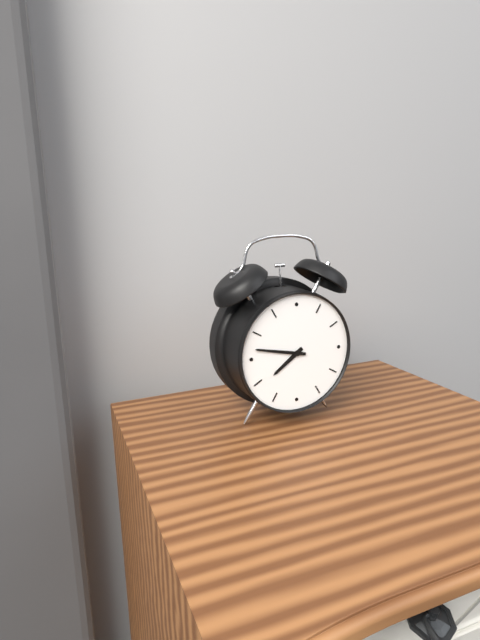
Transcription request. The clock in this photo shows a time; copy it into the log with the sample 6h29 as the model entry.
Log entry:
7h47
